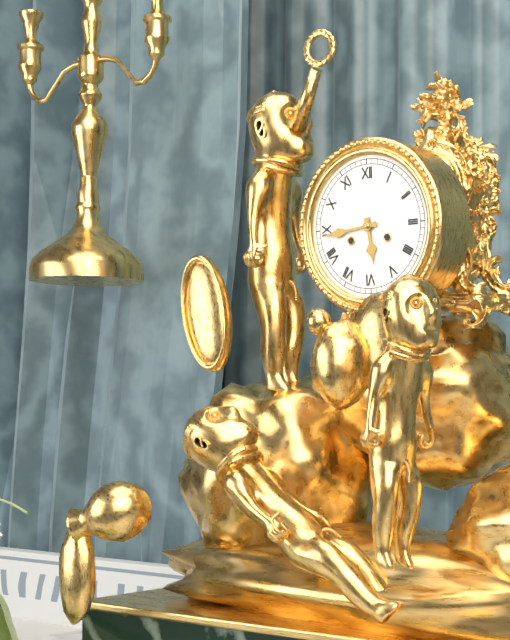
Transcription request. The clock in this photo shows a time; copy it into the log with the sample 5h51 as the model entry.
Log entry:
5h44
